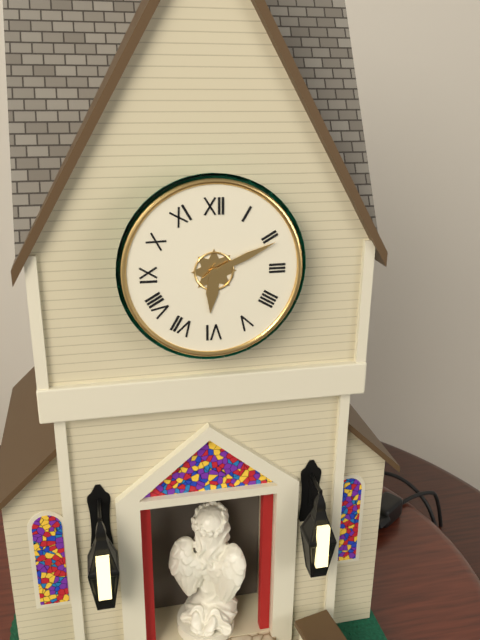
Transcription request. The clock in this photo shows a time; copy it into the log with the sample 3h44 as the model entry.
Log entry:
6h11
